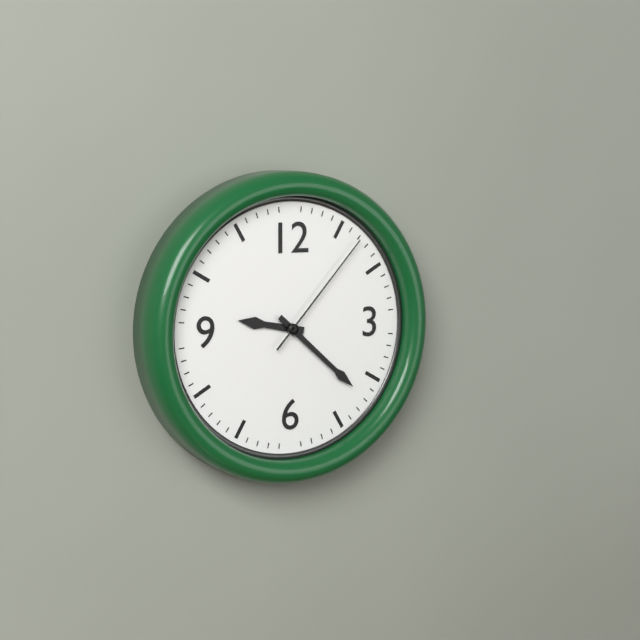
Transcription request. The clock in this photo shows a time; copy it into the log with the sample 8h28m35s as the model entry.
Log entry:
9h22m07s
